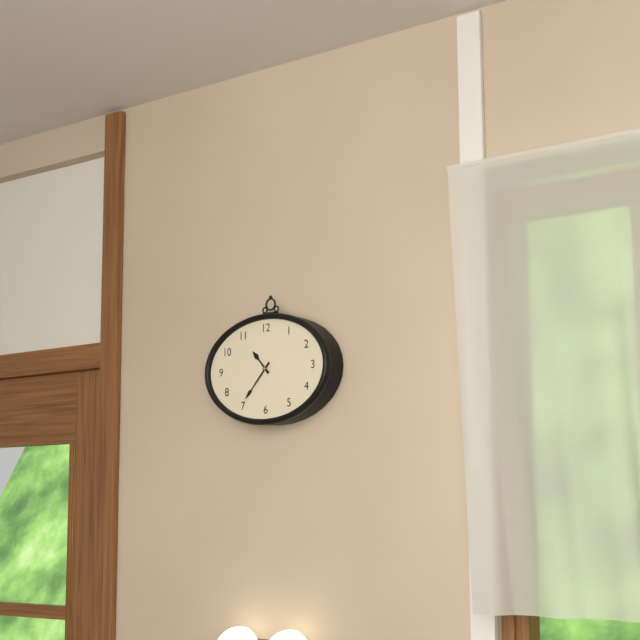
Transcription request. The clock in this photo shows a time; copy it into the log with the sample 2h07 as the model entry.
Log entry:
10h37
